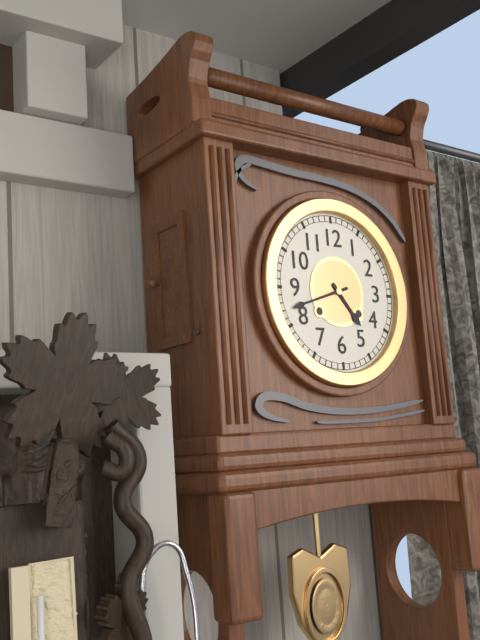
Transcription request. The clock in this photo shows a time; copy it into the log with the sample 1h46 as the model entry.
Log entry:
4h42
